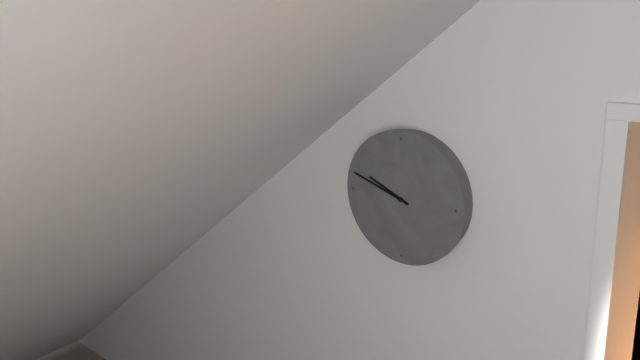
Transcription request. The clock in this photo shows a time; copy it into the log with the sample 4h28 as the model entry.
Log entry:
9h48
